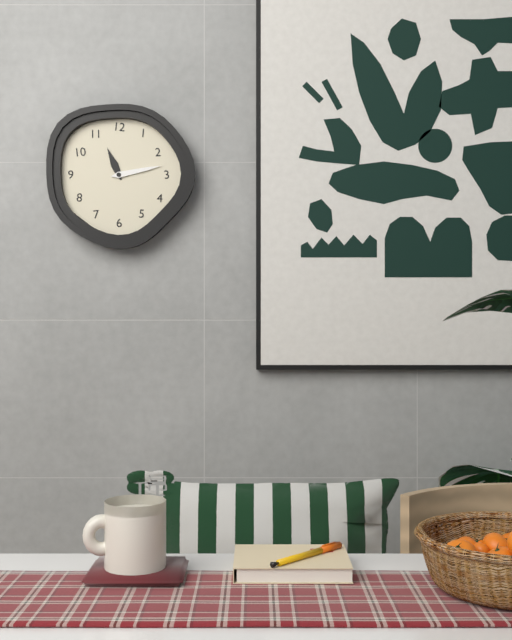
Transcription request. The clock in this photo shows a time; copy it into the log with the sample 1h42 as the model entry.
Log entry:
11h13
